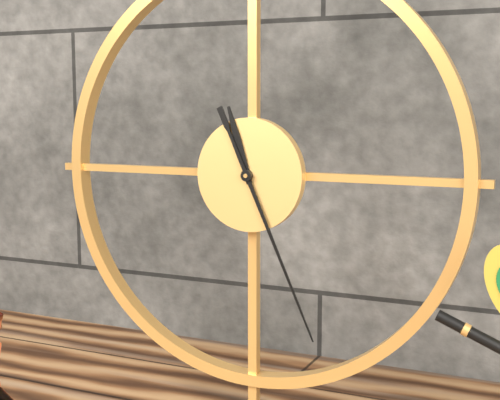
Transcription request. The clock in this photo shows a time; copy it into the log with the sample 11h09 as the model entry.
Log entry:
11h26
